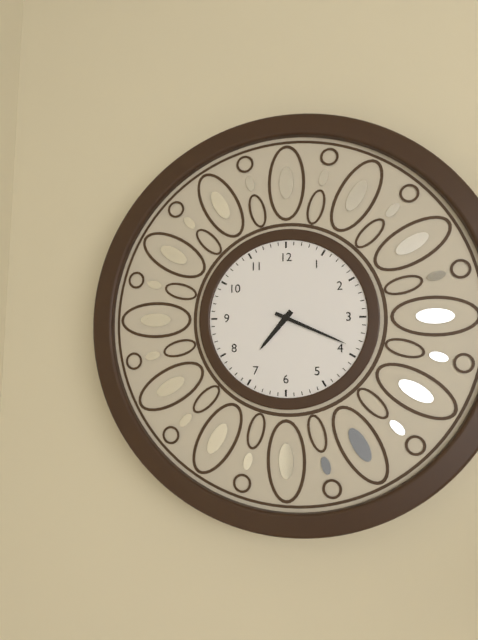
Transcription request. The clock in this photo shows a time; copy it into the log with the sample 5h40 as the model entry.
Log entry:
7h19
